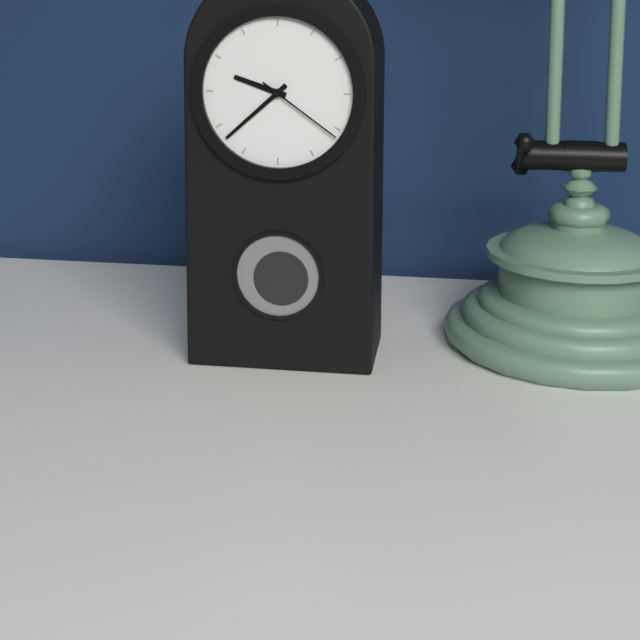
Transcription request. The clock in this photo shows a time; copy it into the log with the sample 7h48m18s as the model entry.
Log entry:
9h38m21s
